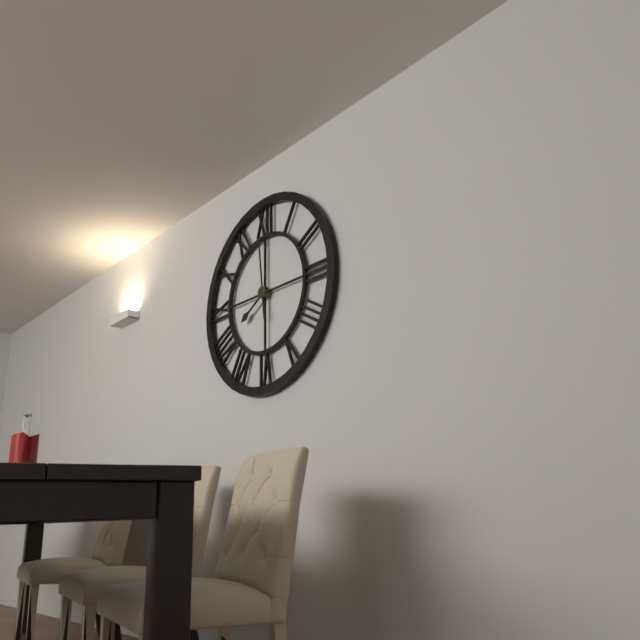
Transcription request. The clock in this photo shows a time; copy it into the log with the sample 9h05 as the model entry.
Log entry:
7h59
